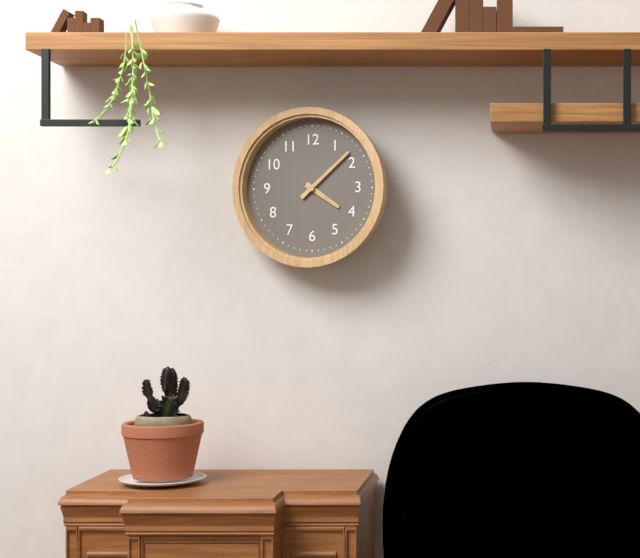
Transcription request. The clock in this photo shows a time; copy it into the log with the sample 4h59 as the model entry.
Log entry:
4h08
